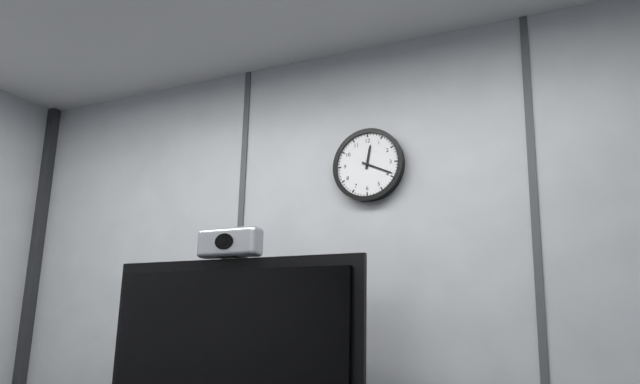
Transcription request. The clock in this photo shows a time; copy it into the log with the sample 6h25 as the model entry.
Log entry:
12h19
